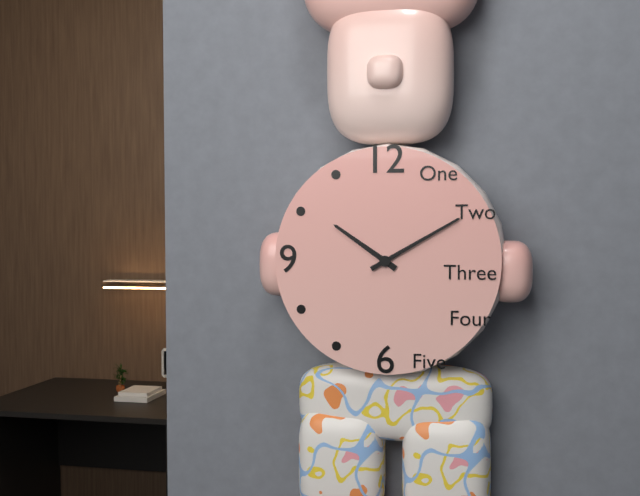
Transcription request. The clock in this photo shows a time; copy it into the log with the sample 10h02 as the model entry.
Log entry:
10h10
